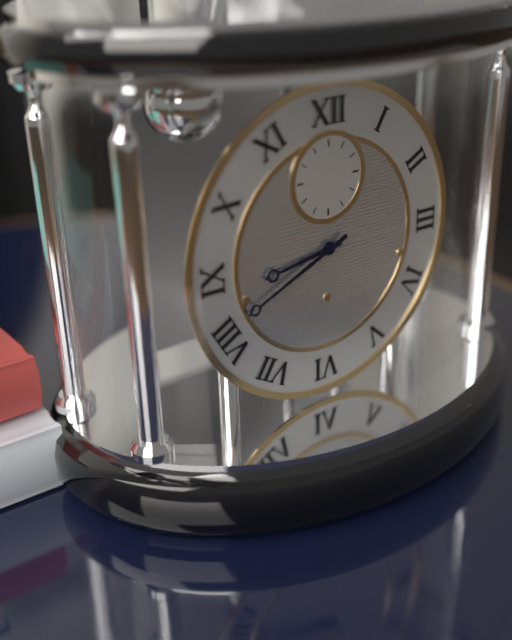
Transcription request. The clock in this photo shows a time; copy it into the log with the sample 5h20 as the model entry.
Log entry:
8h41
